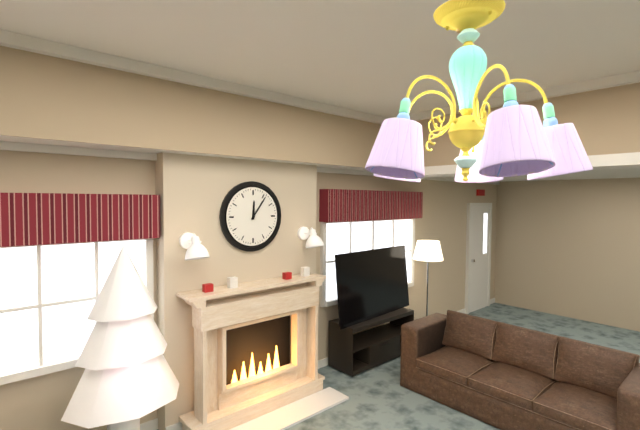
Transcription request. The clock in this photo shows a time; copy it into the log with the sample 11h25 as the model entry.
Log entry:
12h06
